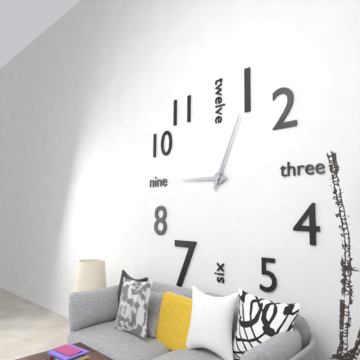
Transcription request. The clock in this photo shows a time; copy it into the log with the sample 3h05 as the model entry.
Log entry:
9h04
